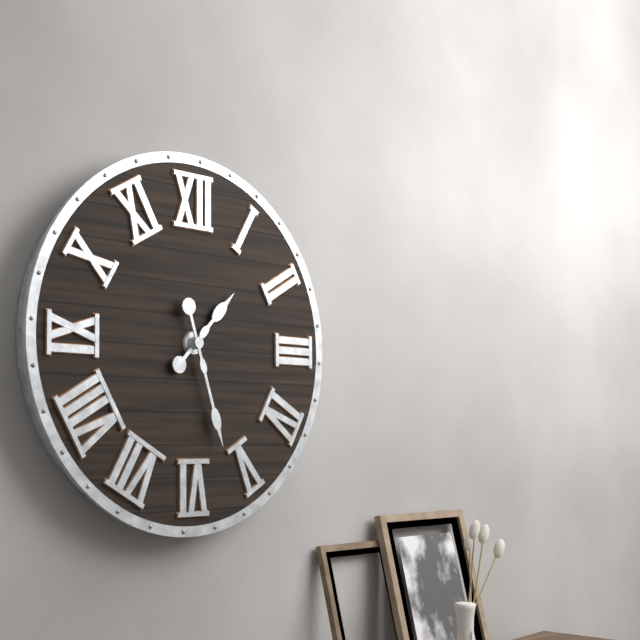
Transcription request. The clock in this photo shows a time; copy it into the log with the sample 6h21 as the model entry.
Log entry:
1h27
